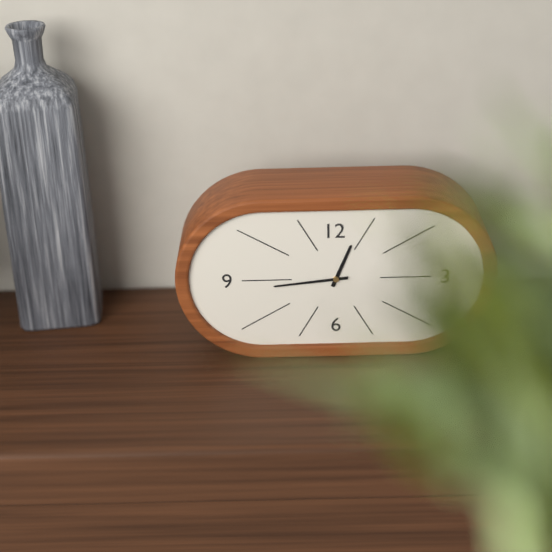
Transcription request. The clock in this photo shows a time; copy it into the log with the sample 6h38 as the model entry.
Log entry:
12h44
